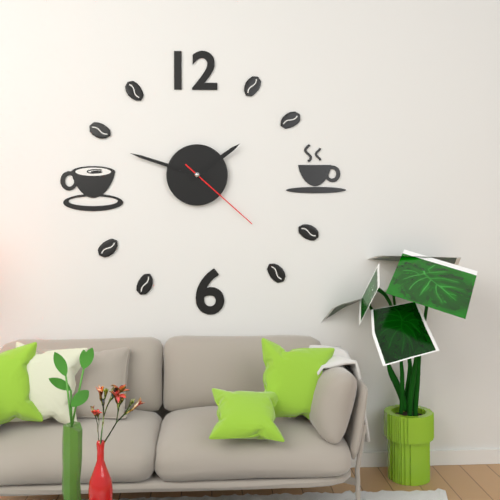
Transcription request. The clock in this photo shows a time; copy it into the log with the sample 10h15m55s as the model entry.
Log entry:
1h48m22s
